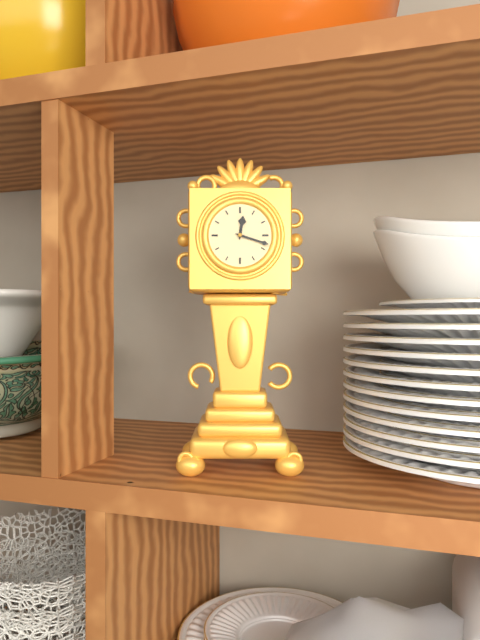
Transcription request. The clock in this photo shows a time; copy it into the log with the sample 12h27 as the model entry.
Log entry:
12h18
